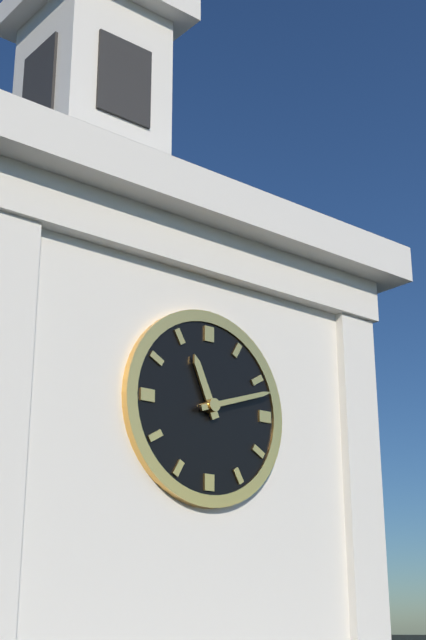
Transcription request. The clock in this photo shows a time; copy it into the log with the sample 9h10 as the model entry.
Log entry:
11h12
